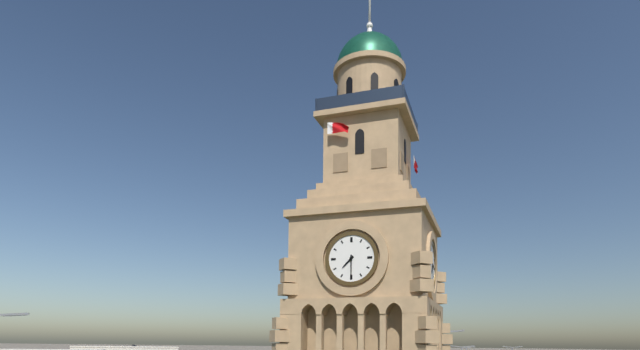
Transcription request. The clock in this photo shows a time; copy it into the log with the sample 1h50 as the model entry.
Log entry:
7h30
